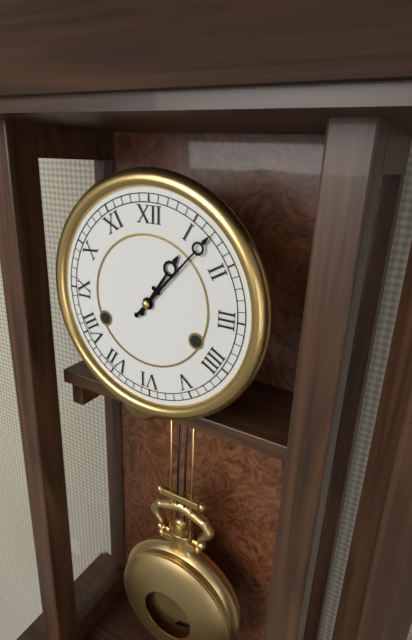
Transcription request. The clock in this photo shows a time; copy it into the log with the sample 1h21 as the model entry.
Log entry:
1h07
